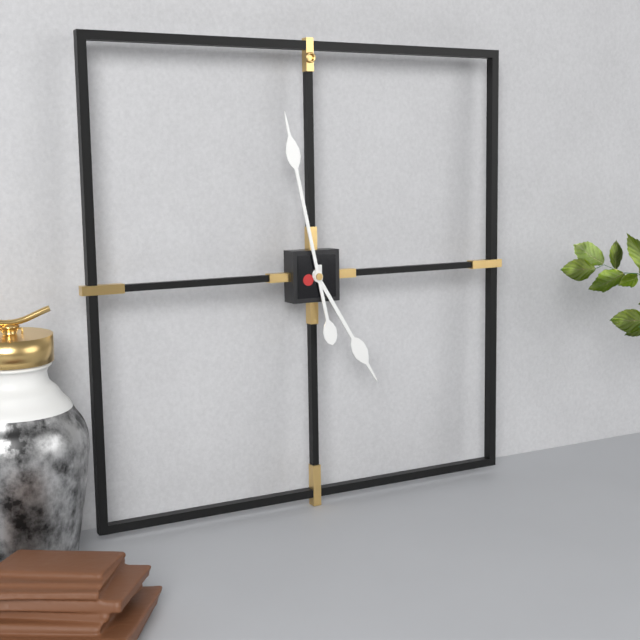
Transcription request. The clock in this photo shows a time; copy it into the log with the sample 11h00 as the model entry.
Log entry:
4h58
